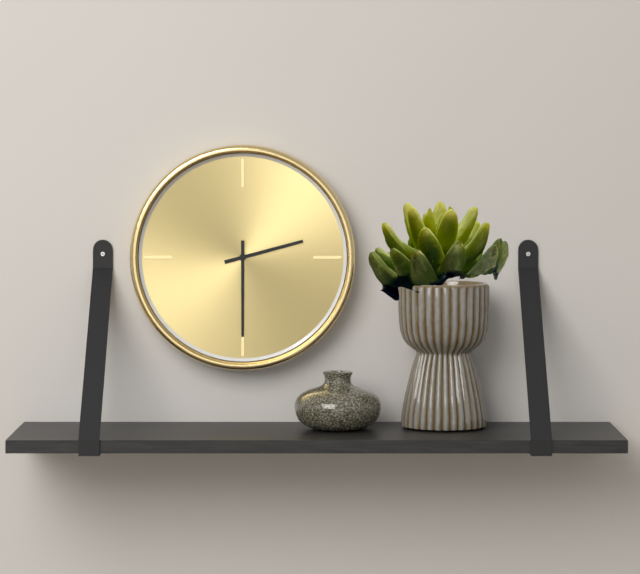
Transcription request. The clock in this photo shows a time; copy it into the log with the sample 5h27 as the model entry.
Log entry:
2h30
